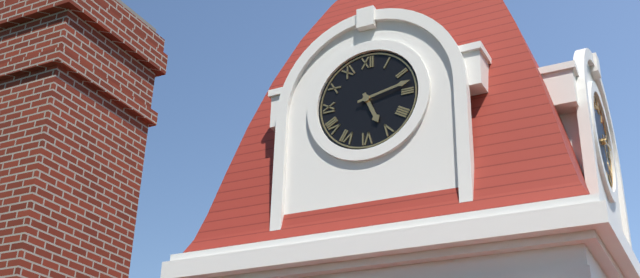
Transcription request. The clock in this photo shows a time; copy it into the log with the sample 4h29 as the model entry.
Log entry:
5h13
